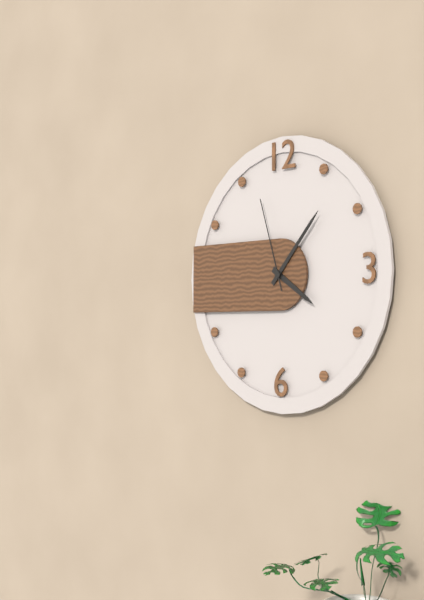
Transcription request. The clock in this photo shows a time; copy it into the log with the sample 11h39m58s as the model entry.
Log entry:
4h07m57s
